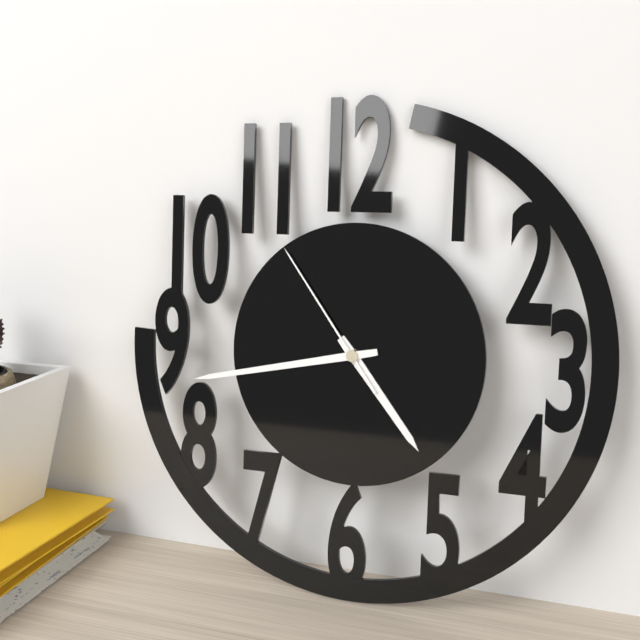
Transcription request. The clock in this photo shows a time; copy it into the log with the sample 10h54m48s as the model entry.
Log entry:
4h43m54s
